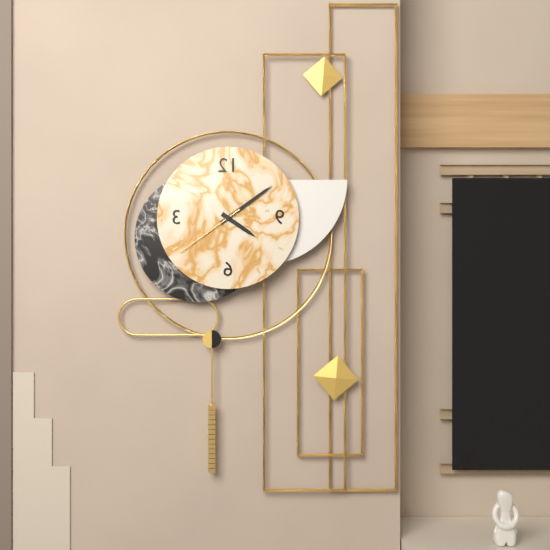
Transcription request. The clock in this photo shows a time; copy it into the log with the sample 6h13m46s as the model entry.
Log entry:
4h09m39s
